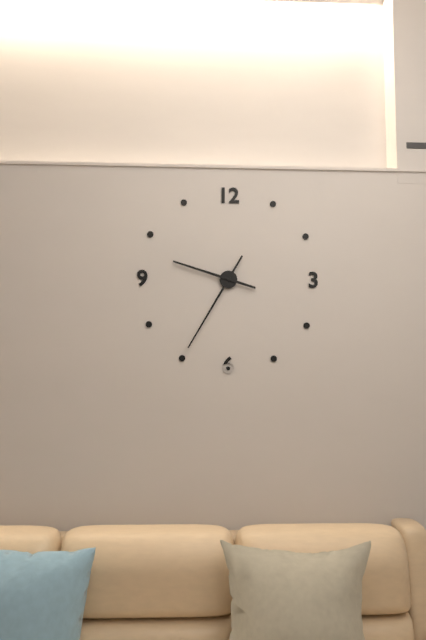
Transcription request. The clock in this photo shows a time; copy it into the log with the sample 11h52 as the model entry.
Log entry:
9h35
